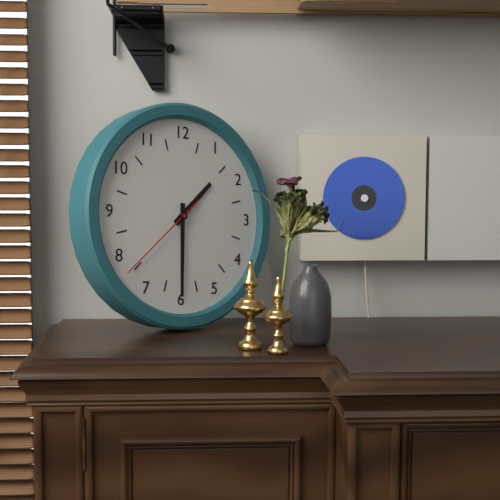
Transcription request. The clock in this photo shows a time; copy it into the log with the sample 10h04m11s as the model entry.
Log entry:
1h30m38s
